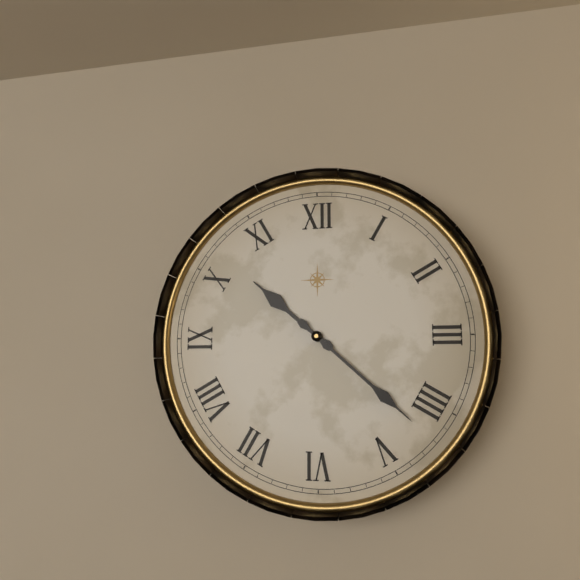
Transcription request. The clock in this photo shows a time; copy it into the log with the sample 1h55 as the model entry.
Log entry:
10h22
